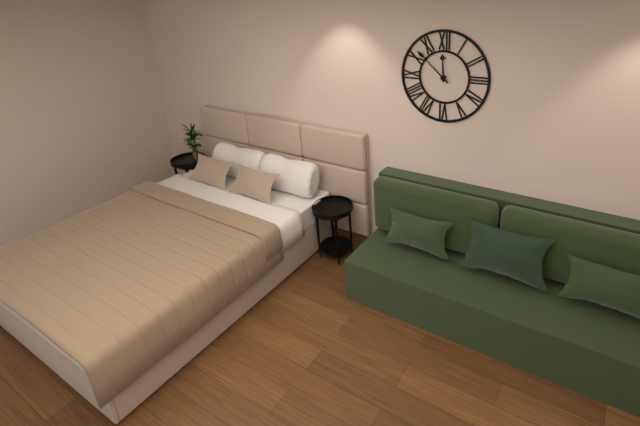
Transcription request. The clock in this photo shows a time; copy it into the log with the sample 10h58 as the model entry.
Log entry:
11h52
